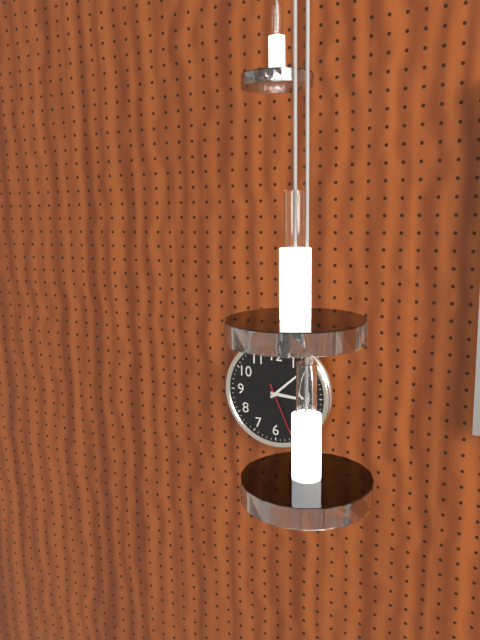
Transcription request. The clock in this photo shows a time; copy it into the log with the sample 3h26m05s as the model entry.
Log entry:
3h08m26s
